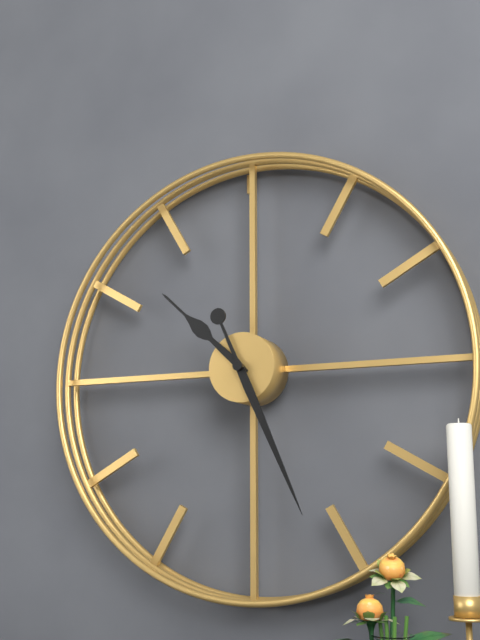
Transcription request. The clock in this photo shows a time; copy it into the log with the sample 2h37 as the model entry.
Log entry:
10h26
